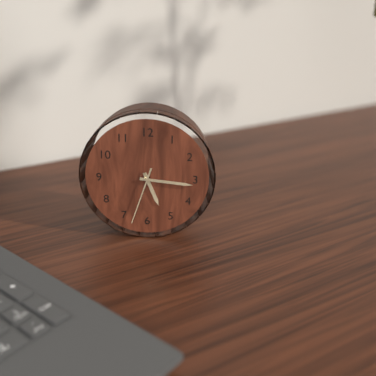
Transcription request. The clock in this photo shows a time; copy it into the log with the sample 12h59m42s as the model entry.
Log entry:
5h16m33s
